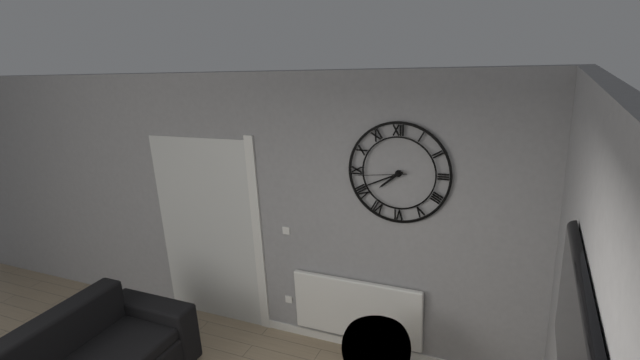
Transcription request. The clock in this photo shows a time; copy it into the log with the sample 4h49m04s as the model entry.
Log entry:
7h41m44s
